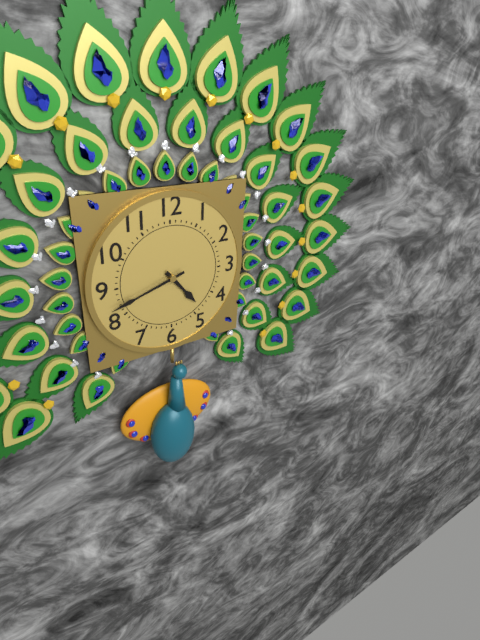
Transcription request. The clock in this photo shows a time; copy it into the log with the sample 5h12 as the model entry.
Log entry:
4h42
